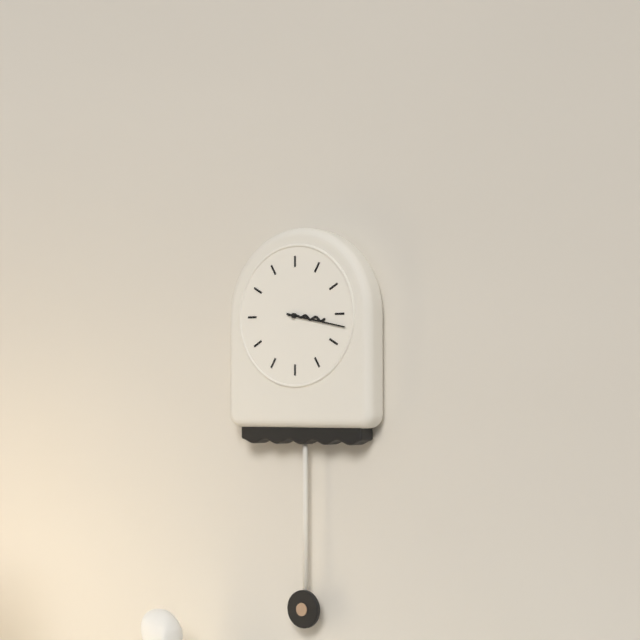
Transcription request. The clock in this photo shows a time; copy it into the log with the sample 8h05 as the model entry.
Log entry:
3h17
